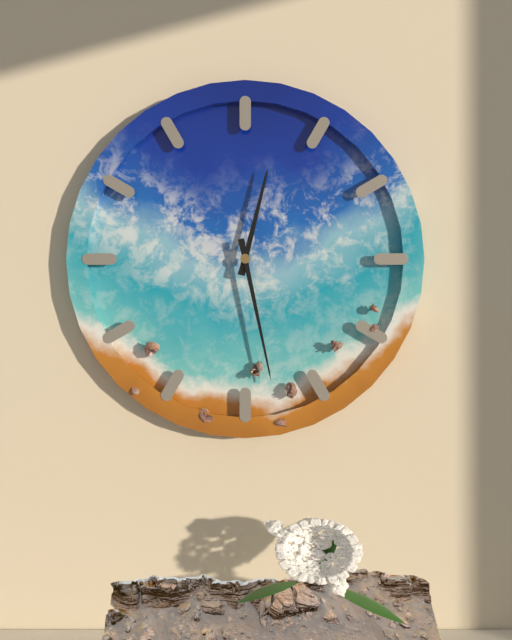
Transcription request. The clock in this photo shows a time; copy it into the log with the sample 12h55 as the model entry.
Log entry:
12h28
